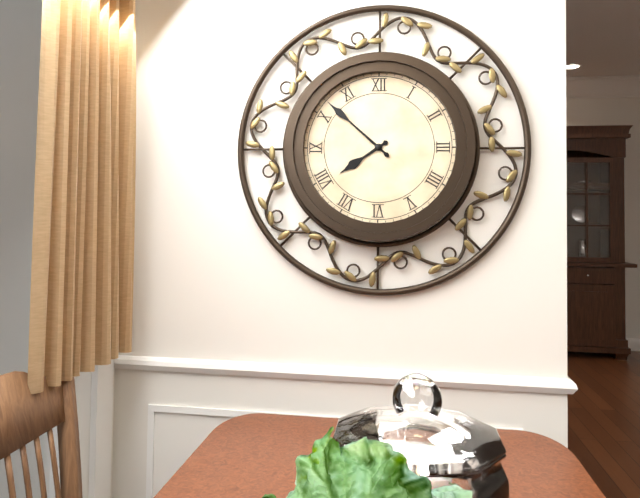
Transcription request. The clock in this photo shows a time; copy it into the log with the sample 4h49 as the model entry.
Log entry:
7h52
